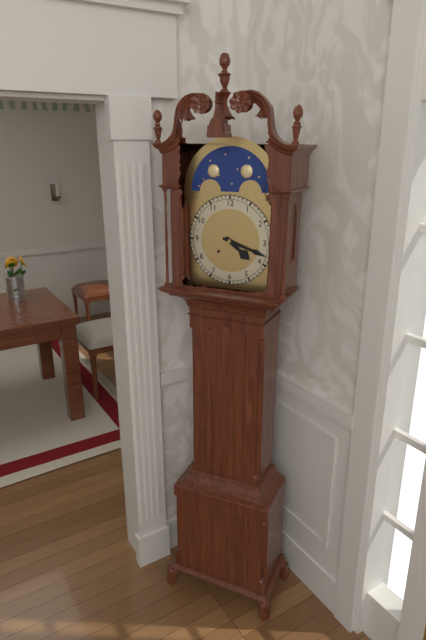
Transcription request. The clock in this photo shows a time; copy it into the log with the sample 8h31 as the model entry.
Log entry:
4h18
